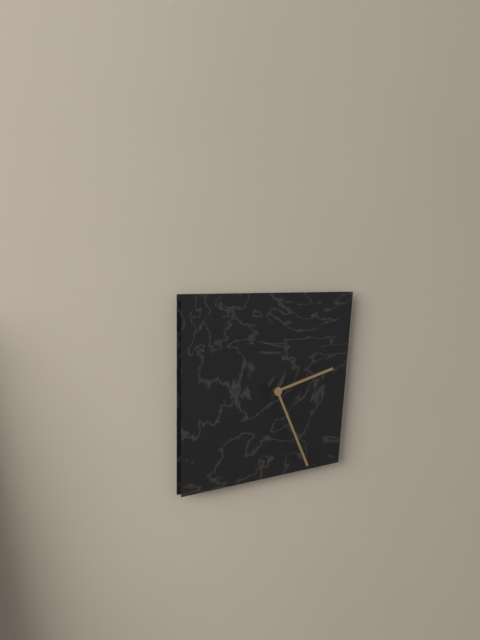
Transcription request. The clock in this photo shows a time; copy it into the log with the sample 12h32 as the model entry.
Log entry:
2h26
